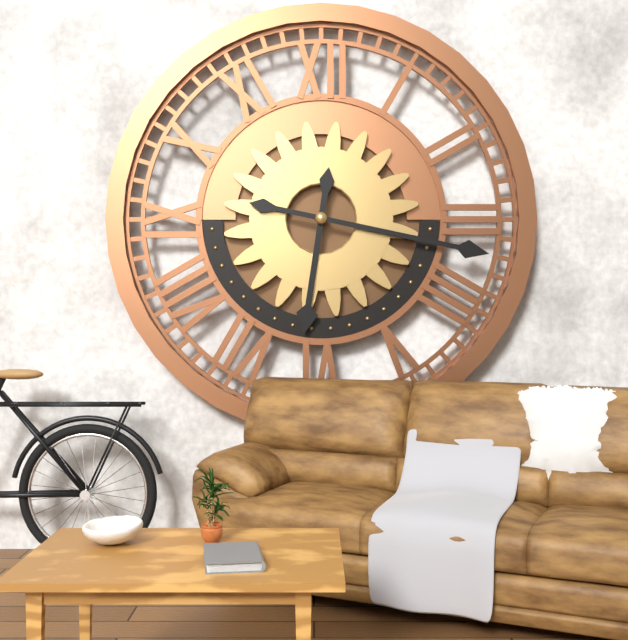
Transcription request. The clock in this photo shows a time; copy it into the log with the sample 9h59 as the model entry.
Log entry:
6h17
